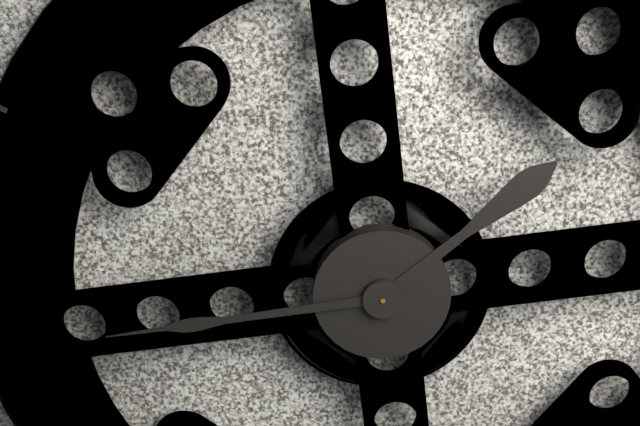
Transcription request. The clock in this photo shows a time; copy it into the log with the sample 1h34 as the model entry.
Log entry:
1h44
